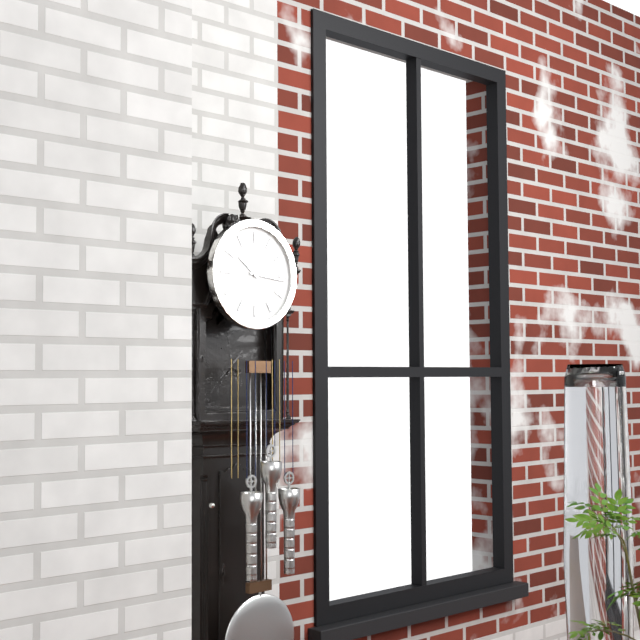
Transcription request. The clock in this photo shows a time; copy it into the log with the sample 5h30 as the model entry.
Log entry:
10h16
